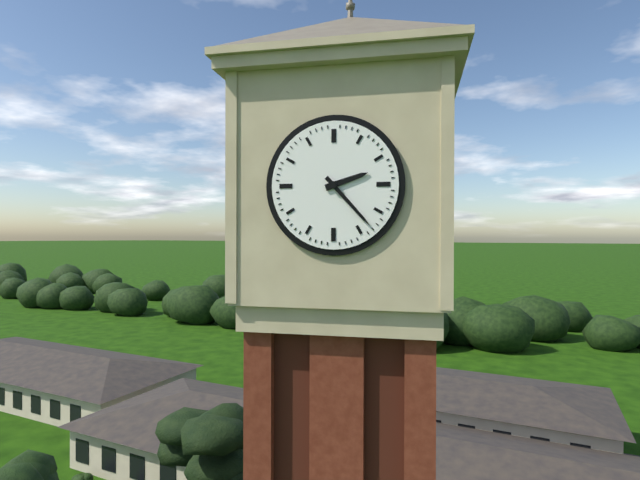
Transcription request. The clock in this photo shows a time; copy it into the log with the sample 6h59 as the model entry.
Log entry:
2h23
